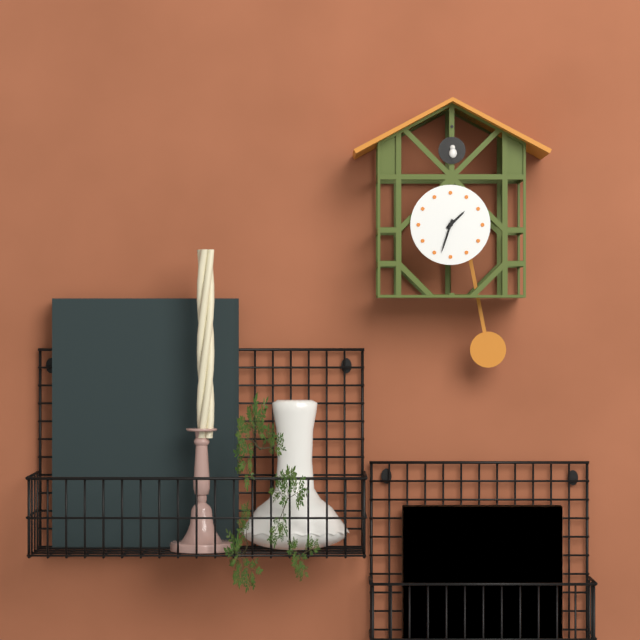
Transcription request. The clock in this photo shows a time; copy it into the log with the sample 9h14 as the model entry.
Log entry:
1h33
